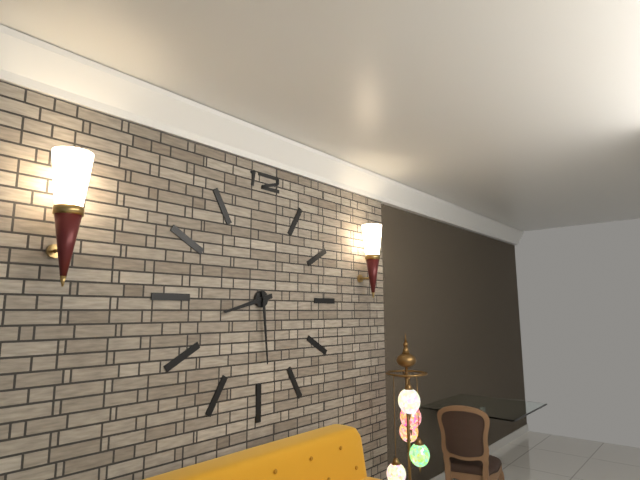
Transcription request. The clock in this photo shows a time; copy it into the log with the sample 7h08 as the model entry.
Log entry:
8h29
